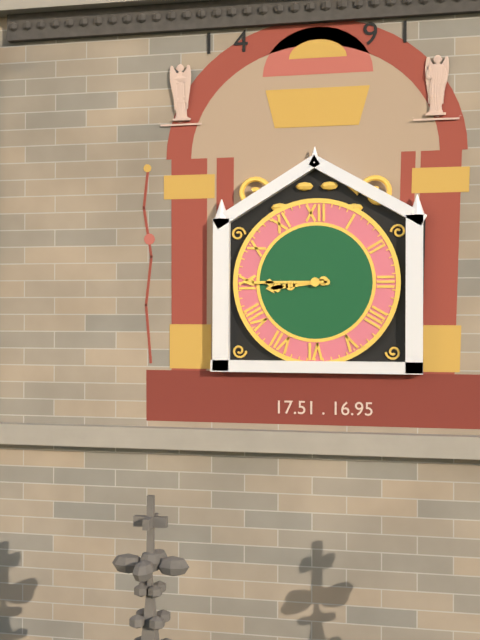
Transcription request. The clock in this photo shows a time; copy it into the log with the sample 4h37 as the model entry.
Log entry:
8h45
